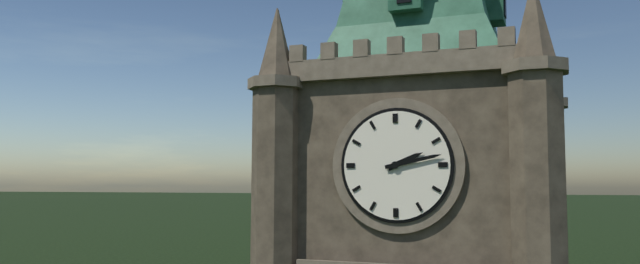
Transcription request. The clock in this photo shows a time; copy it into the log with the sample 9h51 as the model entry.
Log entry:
2h13
